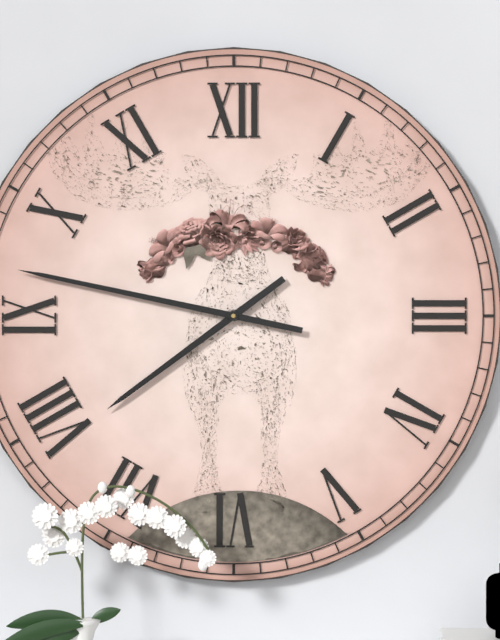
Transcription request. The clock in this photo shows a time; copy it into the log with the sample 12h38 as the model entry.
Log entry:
7h47
